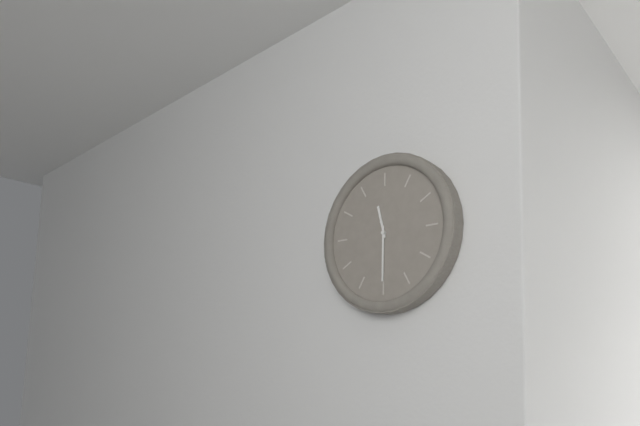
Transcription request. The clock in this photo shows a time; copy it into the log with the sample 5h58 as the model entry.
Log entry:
11h30
